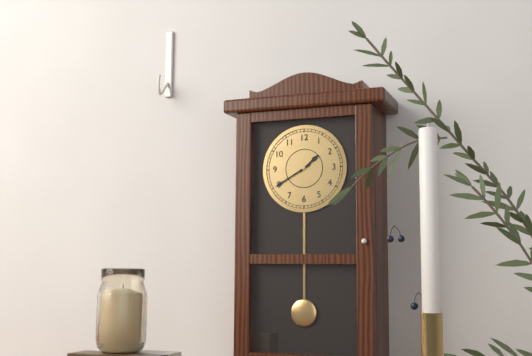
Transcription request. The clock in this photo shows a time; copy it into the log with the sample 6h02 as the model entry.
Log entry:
1h40
